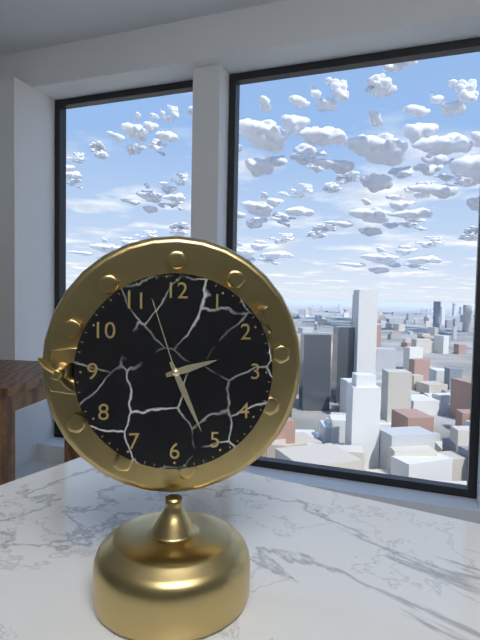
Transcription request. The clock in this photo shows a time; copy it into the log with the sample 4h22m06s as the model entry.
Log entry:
2h26m57s
